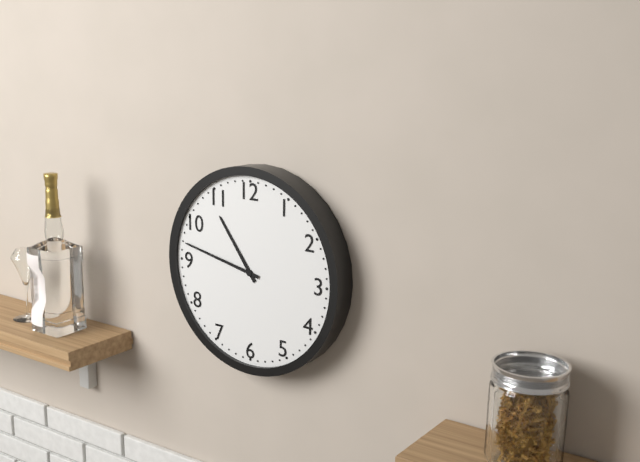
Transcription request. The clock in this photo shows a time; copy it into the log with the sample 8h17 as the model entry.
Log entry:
10h47
